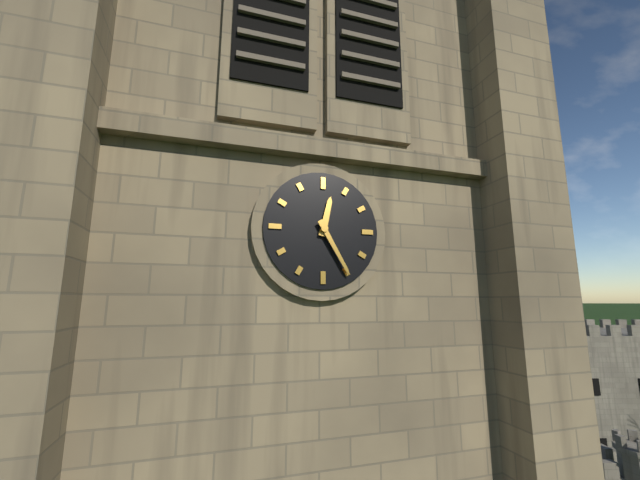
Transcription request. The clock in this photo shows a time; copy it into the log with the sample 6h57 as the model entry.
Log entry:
12h25
